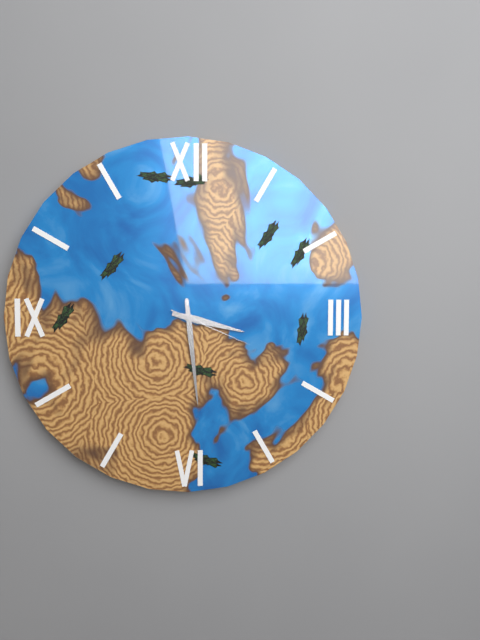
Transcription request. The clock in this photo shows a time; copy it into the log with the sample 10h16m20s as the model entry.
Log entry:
3h29m19s
